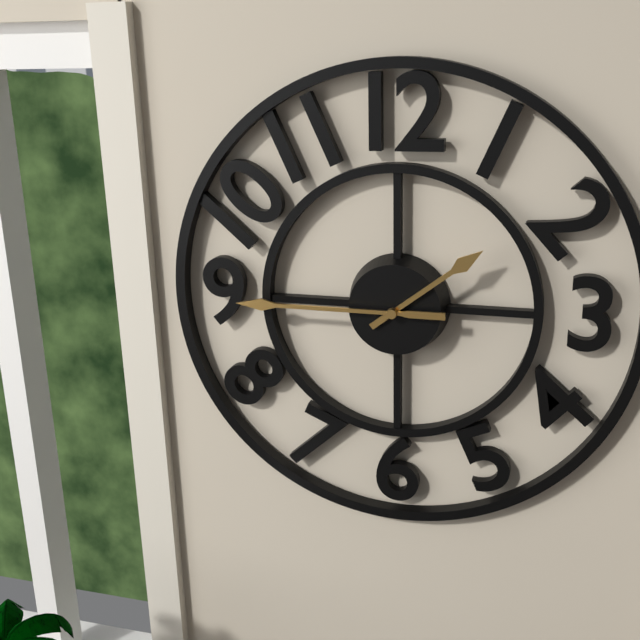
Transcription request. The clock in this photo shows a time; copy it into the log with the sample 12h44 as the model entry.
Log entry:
1h45
